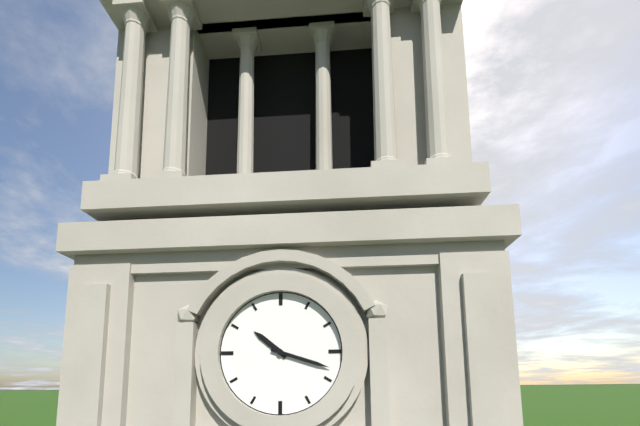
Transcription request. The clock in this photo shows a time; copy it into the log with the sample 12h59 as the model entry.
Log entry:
10h18
